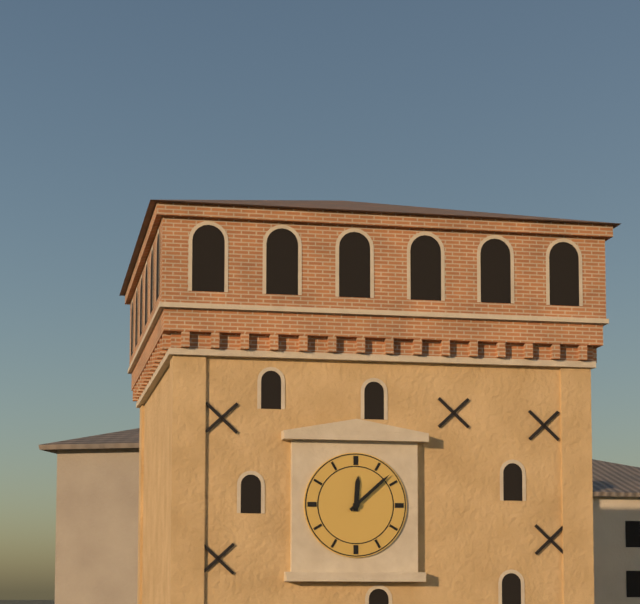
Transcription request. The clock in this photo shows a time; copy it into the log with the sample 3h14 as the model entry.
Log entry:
12h08
